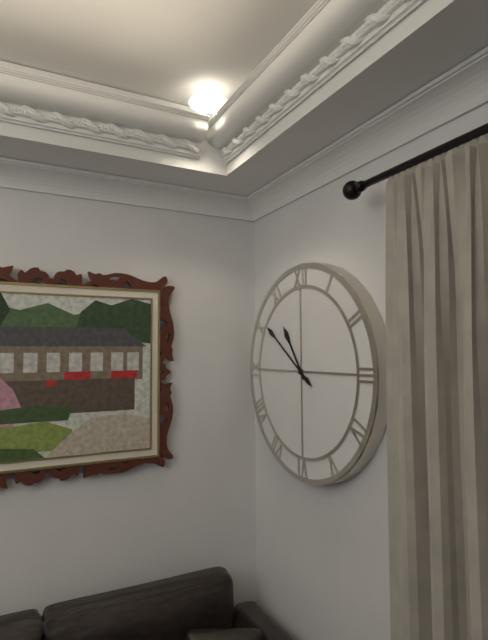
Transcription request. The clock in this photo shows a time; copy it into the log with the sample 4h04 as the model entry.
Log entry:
10h51
